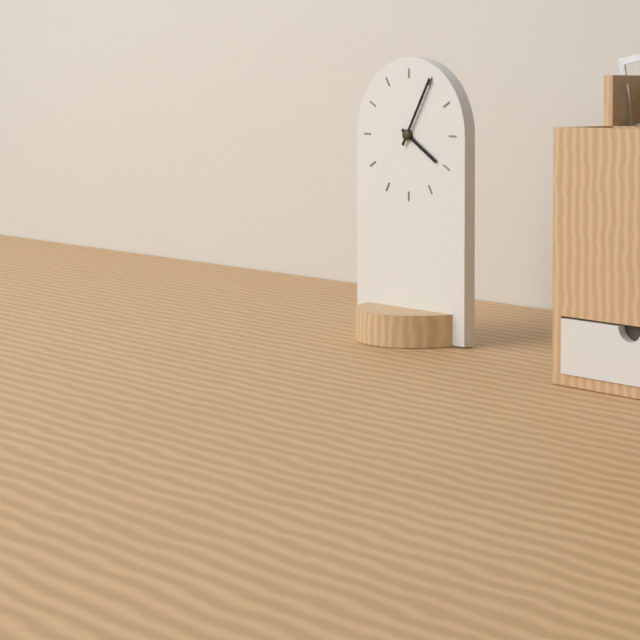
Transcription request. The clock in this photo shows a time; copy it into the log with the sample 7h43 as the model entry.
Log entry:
4h05
